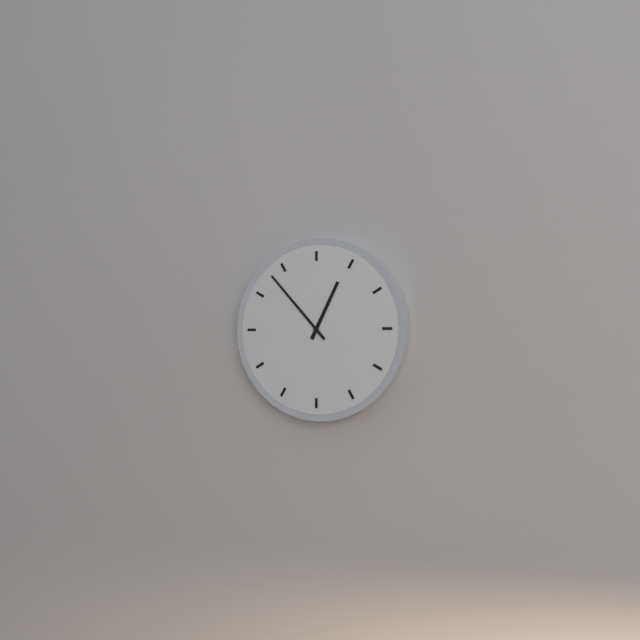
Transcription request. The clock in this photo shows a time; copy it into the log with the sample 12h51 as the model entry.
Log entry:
12h53
